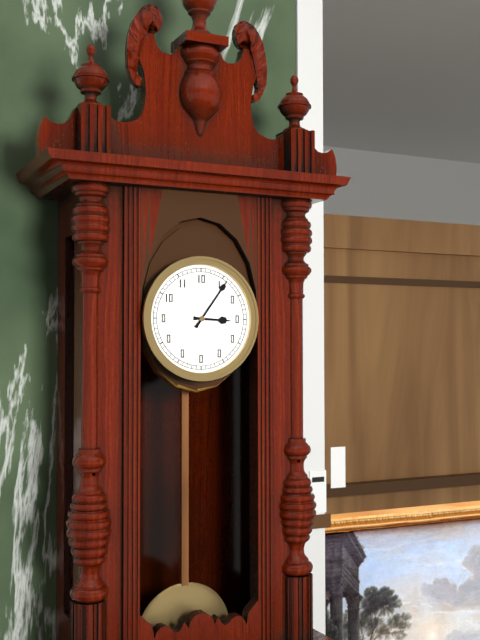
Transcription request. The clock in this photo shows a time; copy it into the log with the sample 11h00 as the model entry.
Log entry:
3h06
